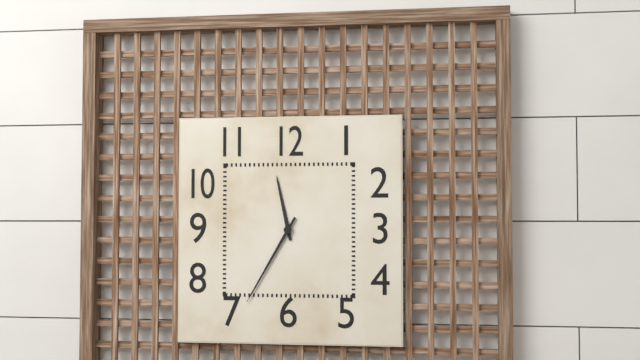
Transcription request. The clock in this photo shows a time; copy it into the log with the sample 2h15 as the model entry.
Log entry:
11h35
